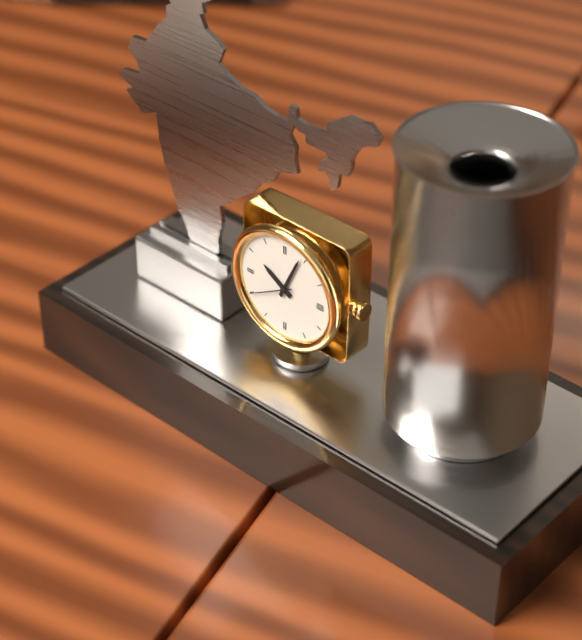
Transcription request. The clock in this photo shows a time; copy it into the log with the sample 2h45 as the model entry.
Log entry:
10h04
